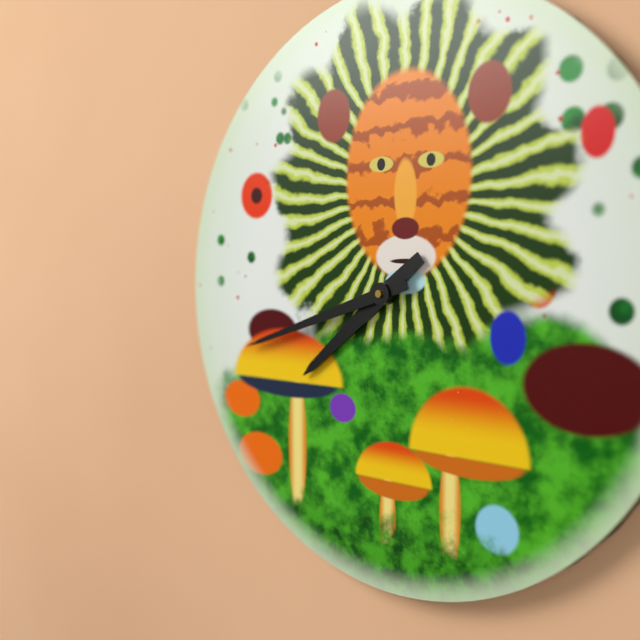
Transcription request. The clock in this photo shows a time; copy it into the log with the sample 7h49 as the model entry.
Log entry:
7h42
